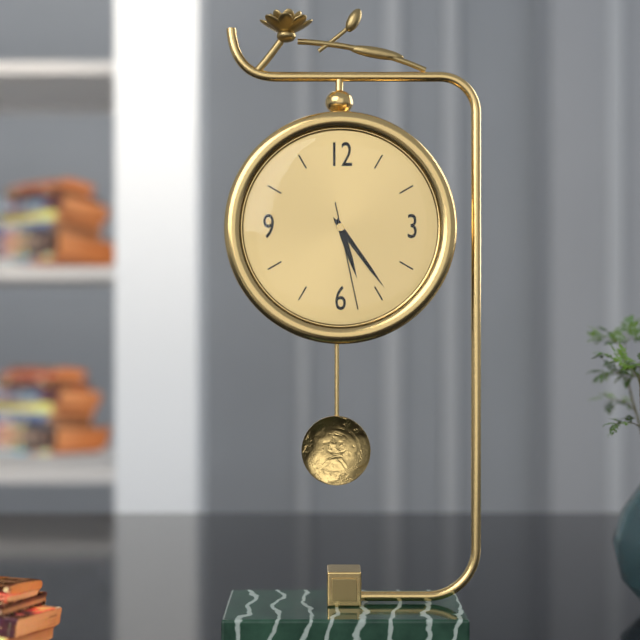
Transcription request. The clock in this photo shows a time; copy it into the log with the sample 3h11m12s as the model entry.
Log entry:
5h24m28s
